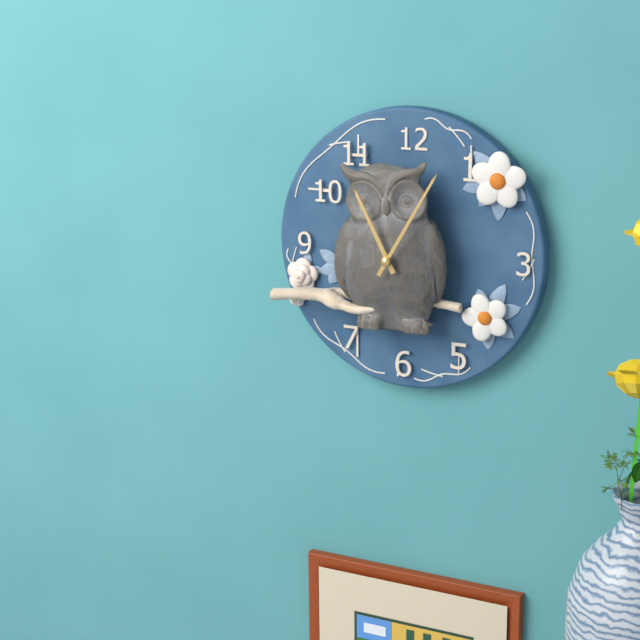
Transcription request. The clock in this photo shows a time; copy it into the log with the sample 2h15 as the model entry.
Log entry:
11h05
